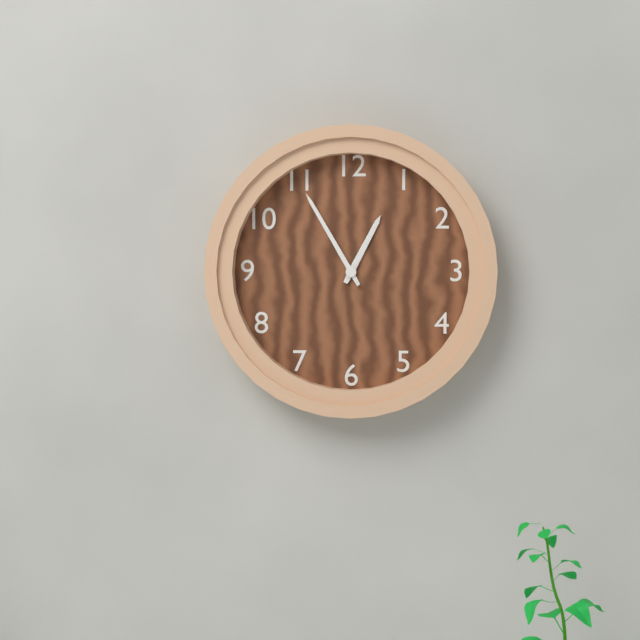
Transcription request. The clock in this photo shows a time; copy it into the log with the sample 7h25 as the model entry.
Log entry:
12h55
